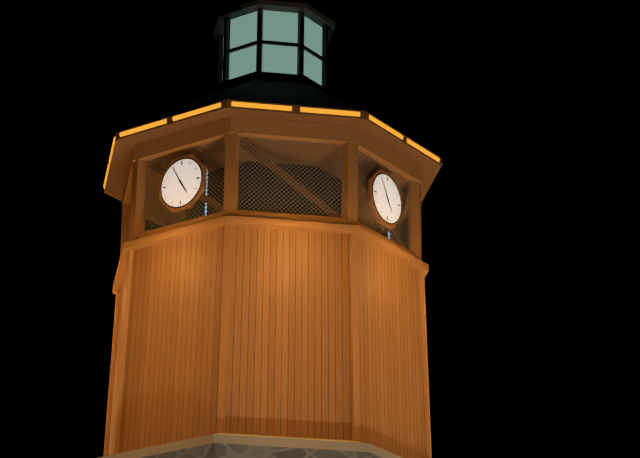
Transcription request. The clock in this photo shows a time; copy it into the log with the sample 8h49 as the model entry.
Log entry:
4h55
